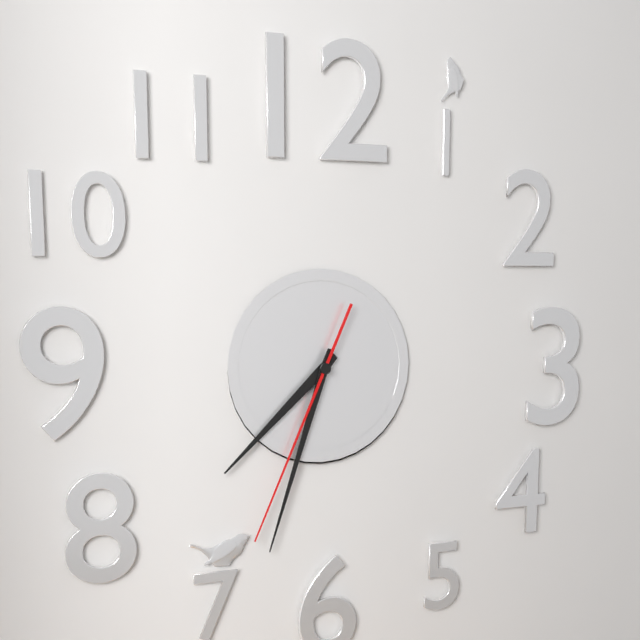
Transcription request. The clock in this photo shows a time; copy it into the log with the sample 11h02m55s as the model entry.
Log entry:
7h33m34s
